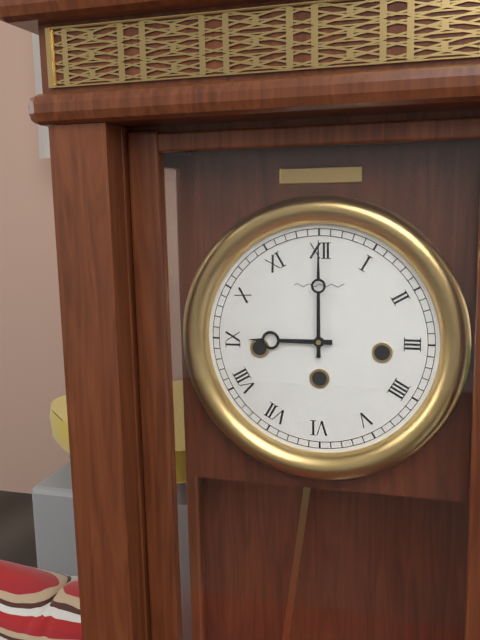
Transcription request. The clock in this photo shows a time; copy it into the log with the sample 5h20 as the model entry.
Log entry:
9h00
